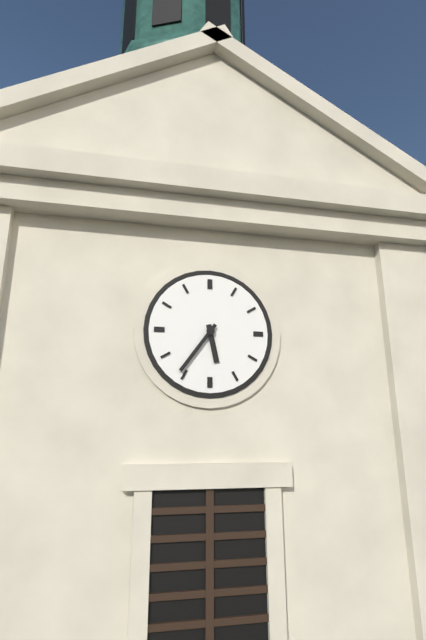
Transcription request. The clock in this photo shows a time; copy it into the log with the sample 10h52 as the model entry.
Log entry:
5h36
